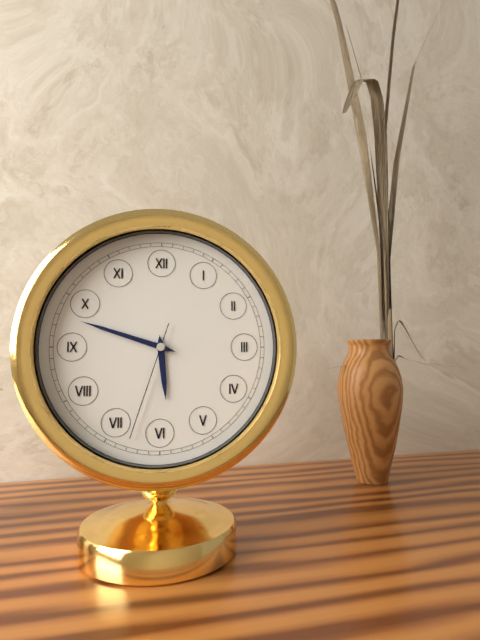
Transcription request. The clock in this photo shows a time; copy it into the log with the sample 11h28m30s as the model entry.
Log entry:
5h48m33s
